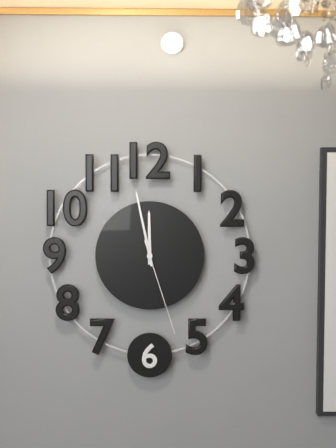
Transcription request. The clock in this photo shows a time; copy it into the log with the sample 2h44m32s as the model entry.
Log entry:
11h58m27s
